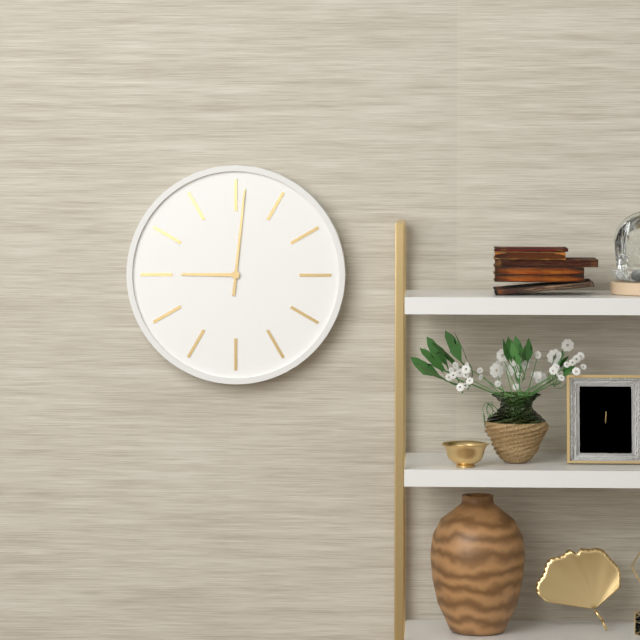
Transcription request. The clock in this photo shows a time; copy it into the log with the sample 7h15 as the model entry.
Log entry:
9h01
